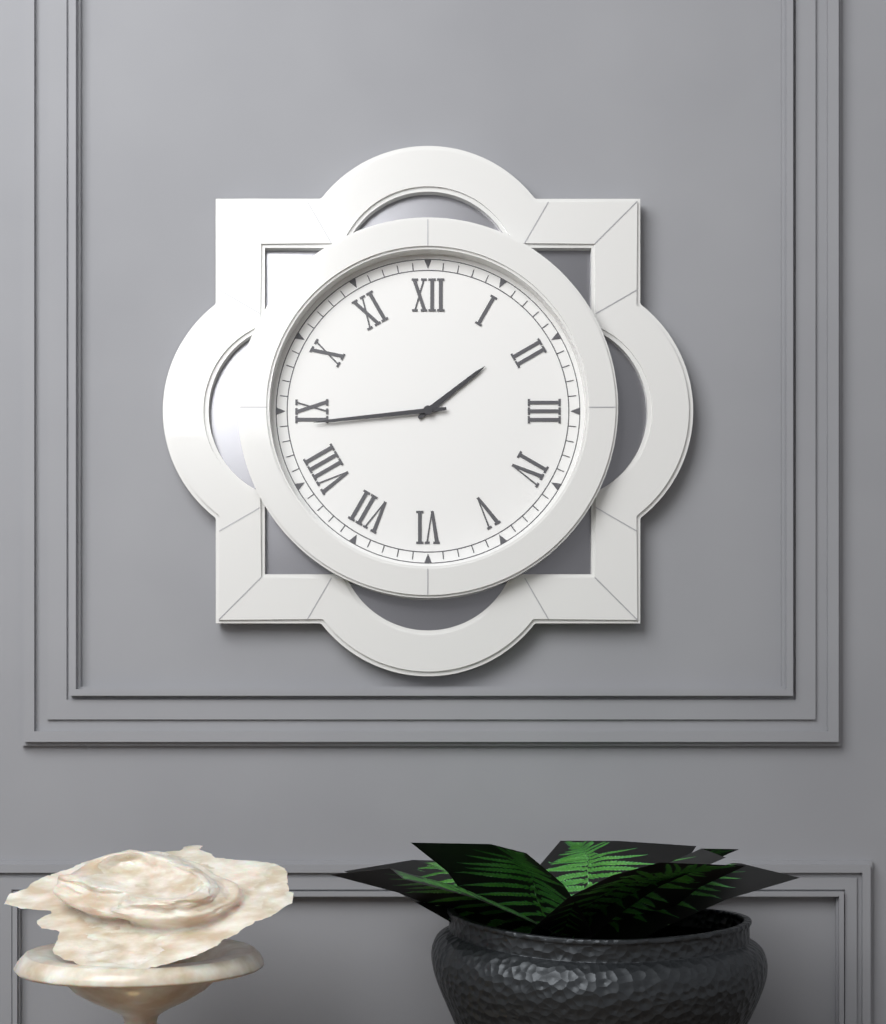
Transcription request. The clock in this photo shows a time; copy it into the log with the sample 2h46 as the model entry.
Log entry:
1h44
